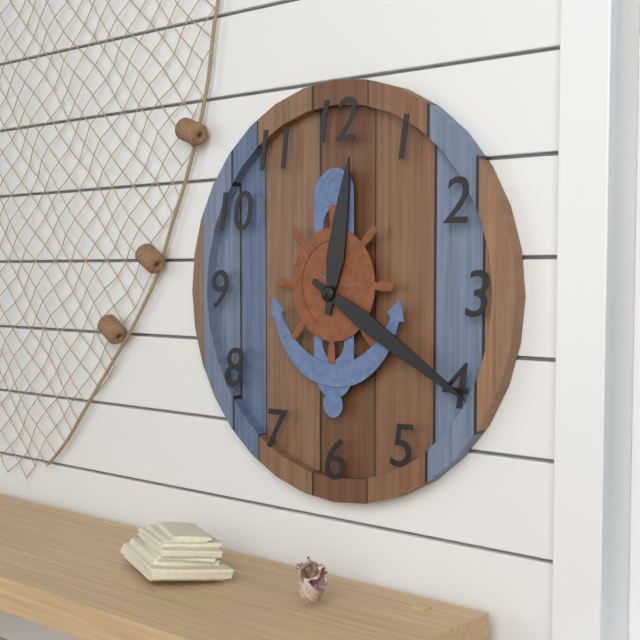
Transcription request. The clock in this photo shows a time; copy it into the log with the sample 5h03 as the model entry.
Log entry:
12h20
